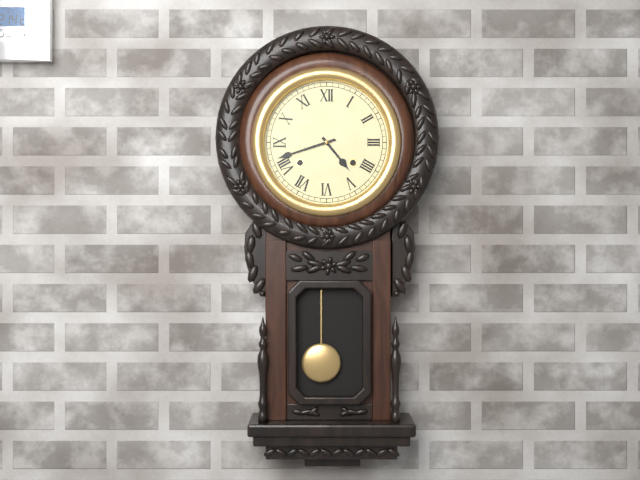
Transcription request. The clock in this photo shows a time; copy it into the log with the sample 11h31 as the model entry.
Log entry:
4h42
